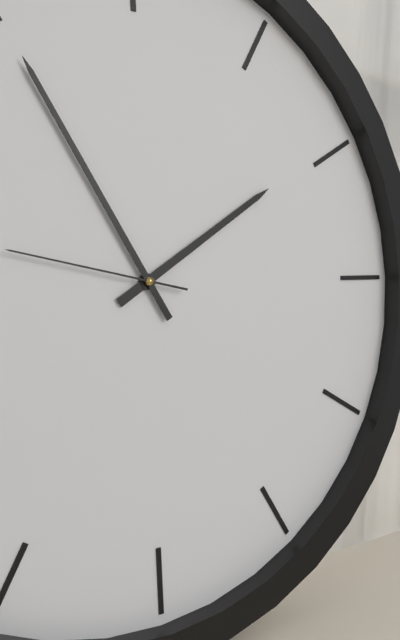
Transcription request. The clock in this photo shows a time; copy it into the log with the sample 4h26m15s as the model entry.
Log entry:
1h55m47s
